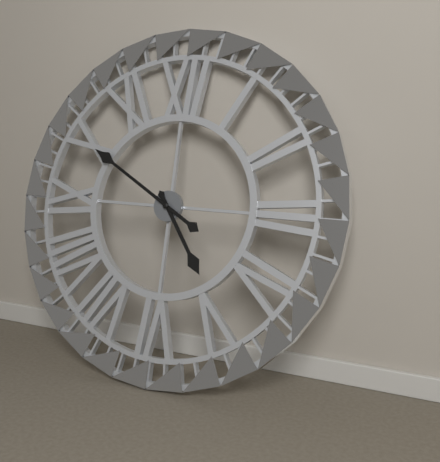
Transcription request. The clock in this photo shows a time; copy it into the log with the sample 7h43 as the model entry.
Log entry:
4h50
